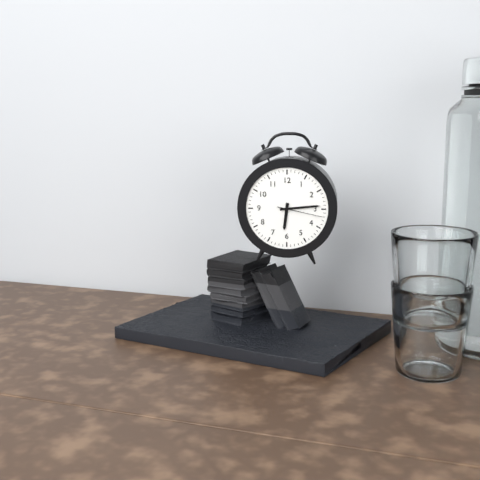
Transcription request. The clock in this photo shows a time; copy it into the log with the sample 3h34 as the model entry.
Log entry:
6h14
